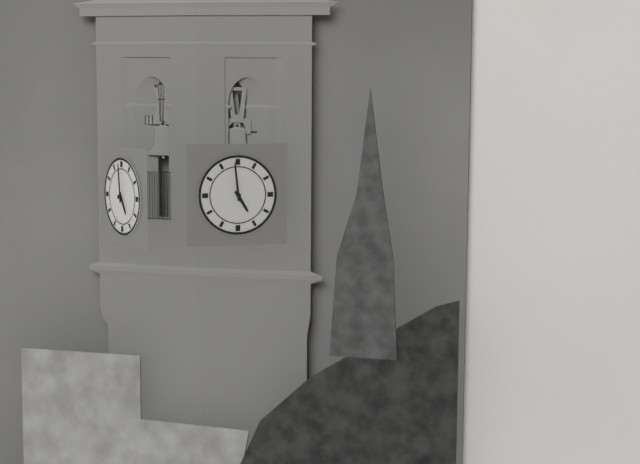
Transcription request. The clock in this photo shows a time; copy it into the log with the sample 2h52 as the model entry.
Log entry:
4h59
